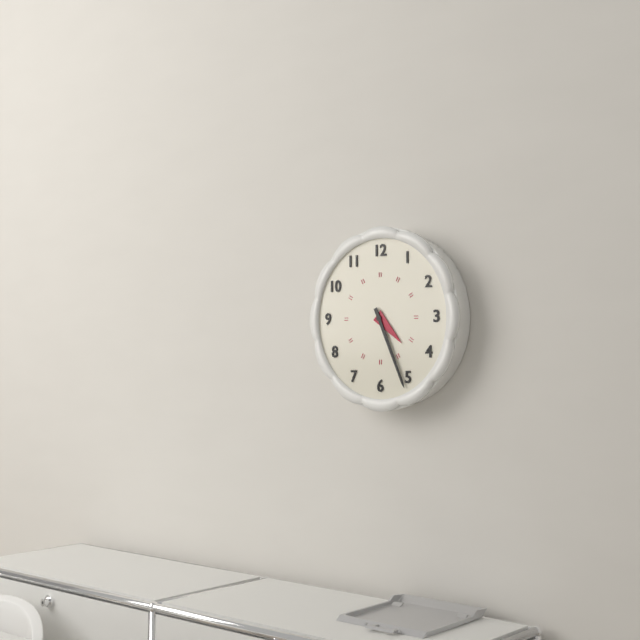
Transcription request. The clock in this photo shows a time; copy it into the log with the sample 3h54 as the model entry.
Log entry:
4h26
